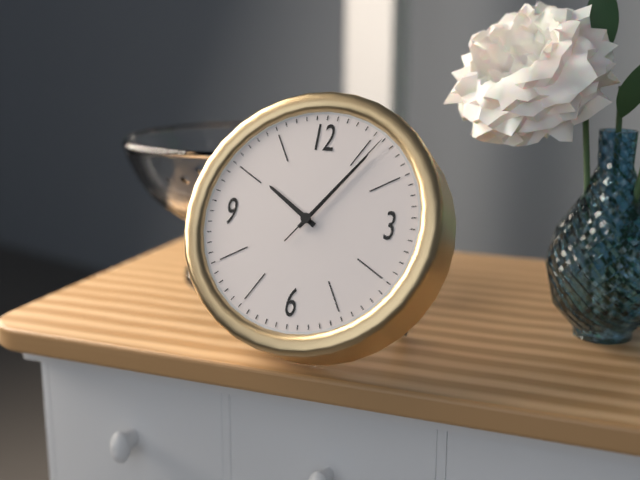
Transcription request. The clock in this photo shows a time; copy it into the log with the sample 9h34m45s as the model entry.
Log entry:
10h06m06s
